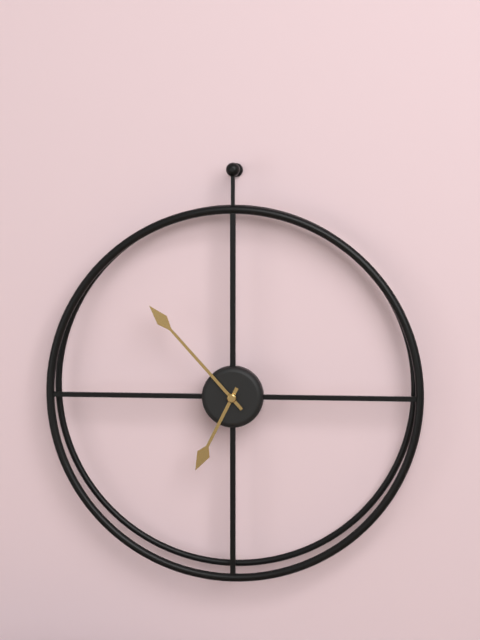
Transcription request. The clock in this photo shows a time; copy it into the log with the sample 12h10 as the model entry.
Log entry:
6h53
